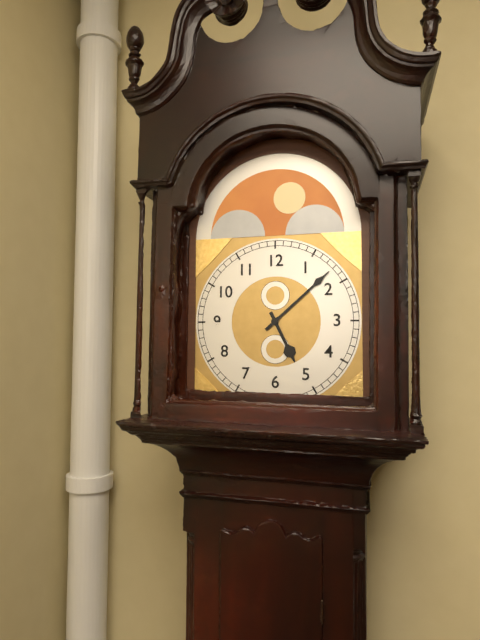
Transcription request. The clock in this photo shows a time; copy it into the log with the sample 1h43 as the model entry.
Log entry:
5h08
